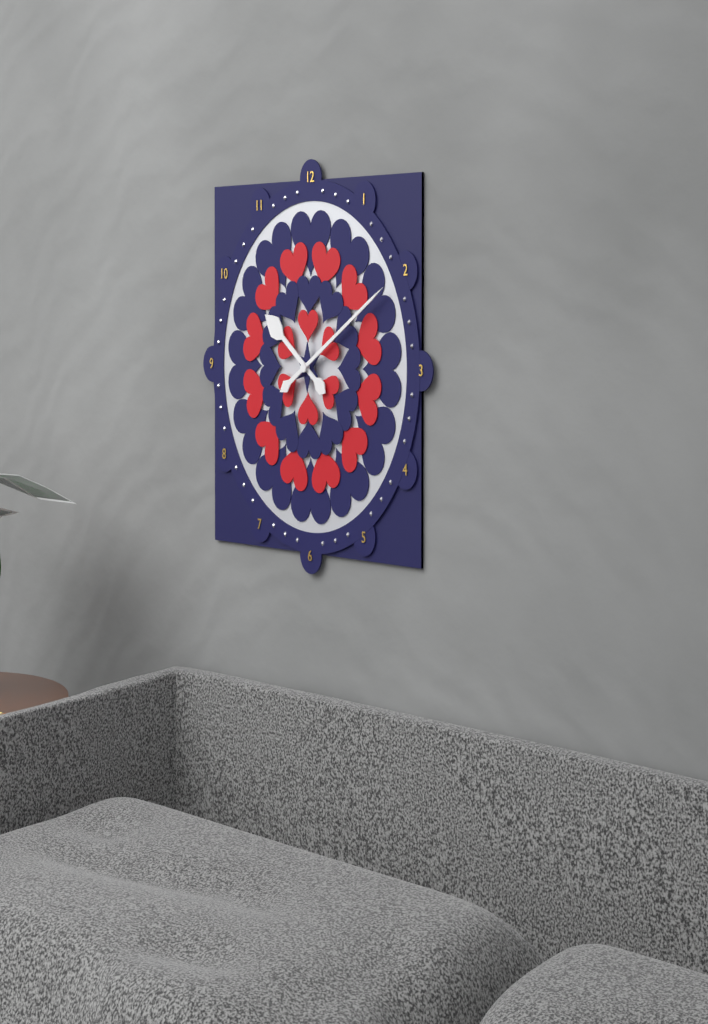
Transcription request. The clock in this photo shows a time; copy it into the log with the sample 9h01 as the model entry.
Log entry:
10h10
